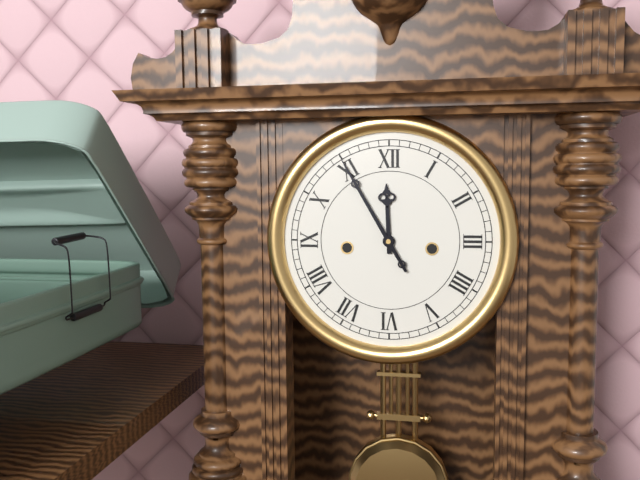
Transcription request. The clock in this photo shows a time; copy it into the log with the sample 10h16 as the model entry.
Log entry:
11h55
